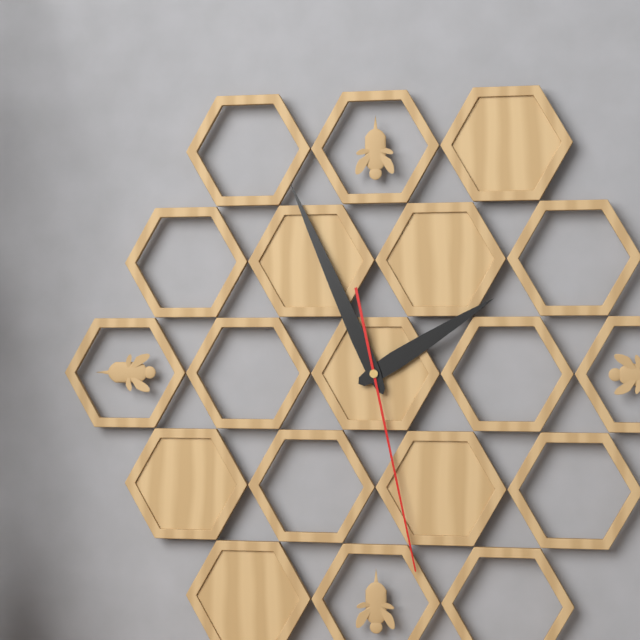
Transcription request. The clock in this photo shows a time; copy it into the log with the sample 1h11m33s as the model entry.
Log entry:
1h56m28s
